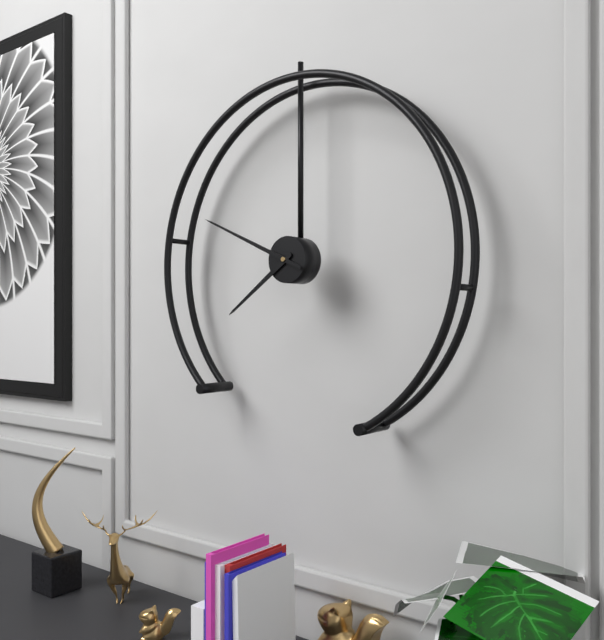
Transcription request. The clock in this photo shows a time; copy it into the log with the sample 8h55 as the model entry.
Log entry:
7h49
